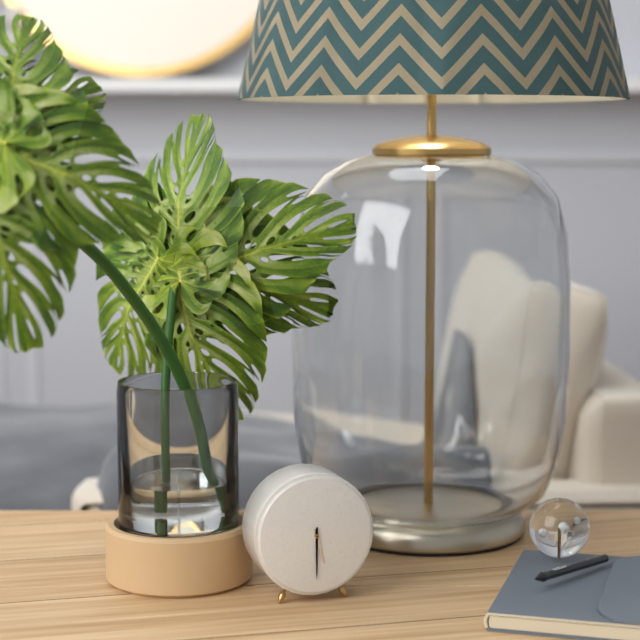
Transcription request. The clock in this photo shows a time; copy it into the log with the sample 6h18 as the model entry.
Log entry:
5h30
